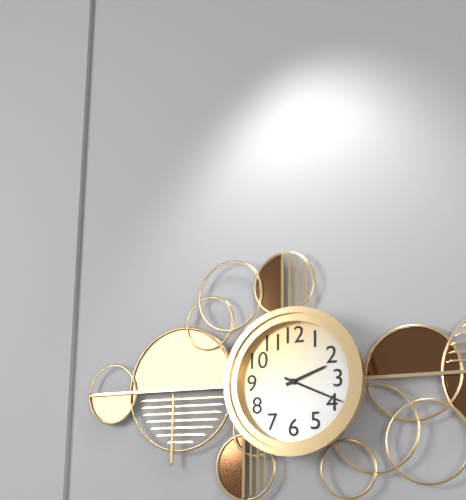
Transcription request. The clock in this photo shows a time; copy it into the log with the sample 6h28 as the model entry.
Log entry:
2h19
